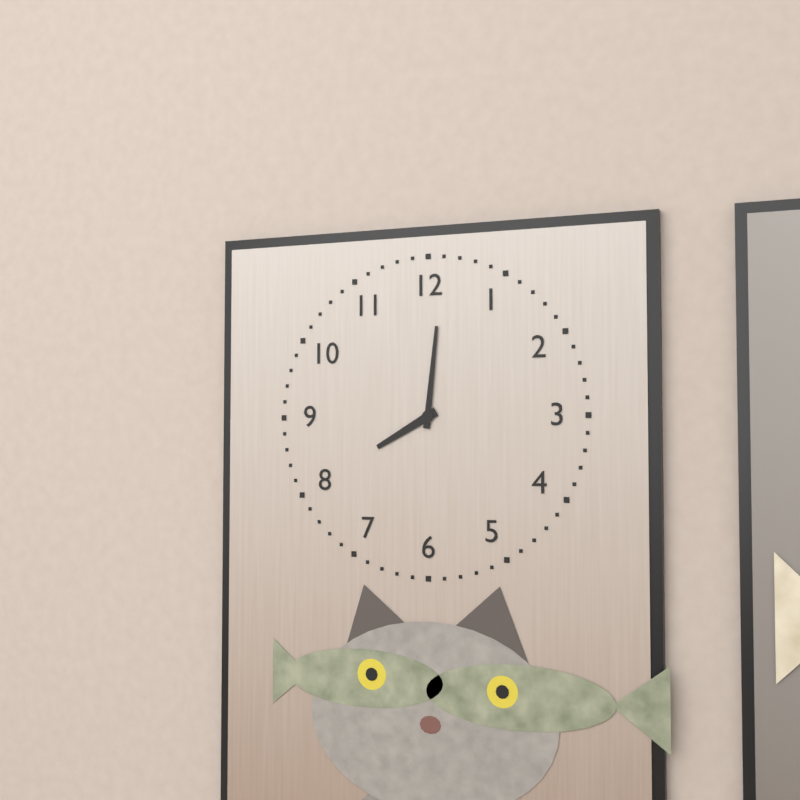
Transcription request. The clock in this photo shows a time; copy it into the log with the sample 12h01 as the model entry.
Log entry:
8h01
